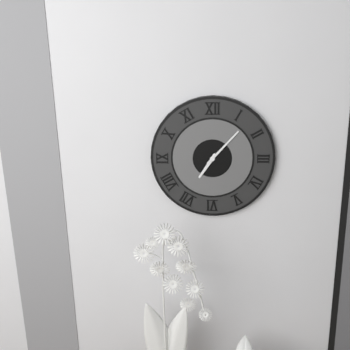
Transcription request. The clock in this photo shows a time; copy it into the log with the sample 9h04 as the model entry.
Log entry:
7h07
